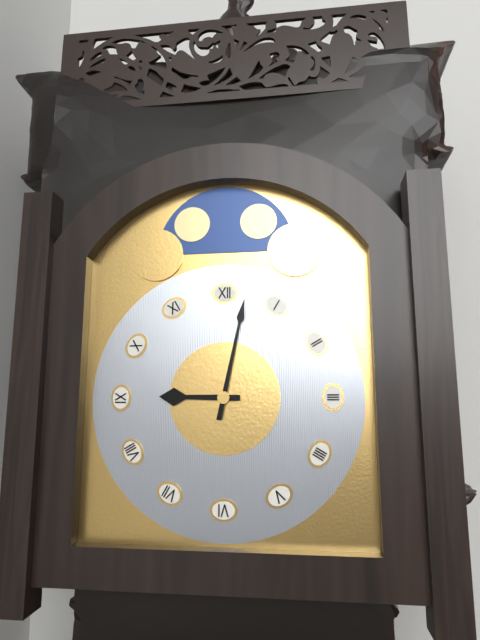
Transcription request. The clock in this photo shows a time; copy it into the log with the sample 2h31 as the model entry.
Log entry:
9h02
